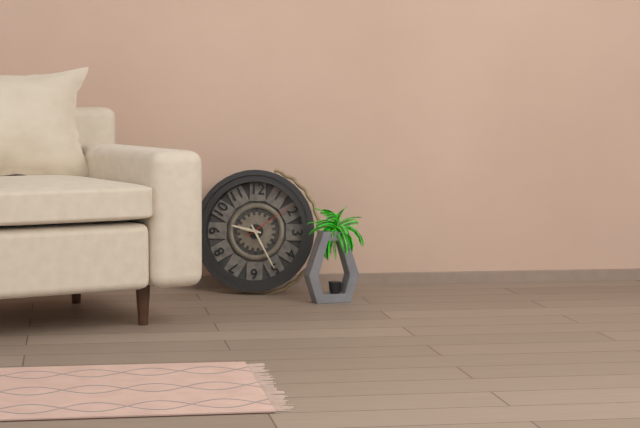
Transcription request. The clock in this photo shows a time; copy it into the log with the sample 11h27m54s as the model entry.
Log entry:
9h25m09s
